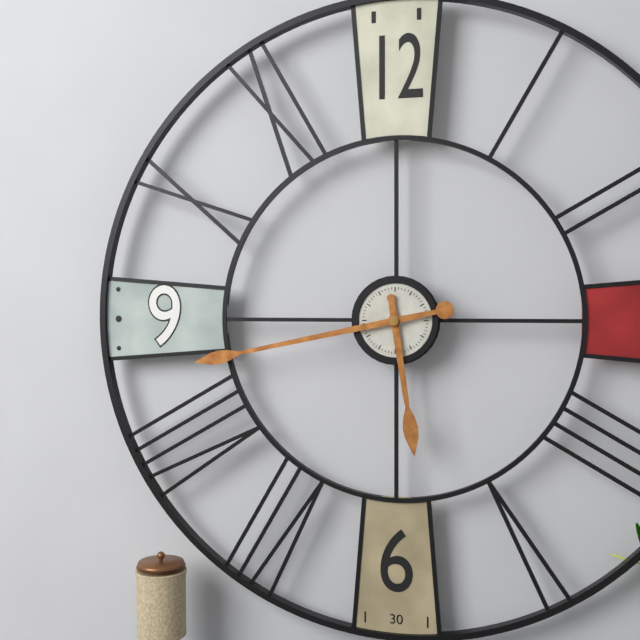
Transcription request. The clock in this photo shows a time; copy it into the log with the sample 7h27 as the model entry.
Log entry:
5h43
